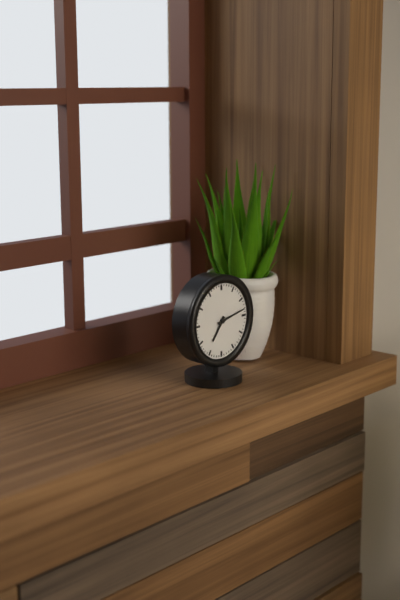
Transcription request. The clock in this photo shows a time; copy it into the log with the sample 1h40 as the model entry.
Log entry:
7h13
